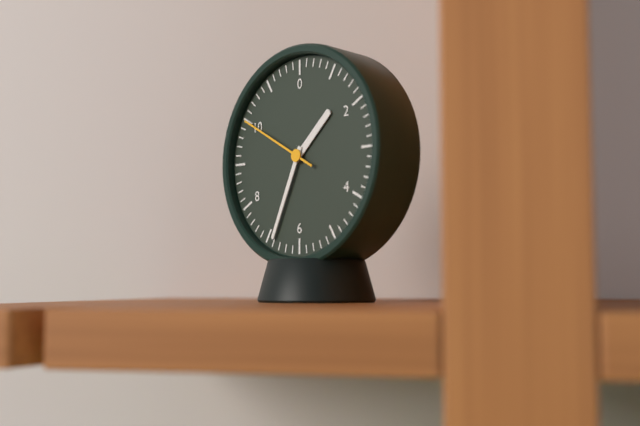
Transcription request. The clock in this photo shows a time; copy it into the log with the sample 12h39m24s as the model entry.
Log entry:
1h34m50s
